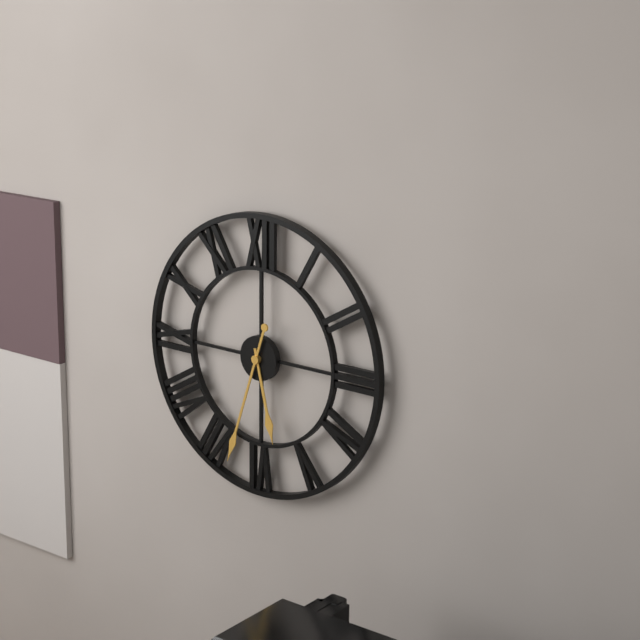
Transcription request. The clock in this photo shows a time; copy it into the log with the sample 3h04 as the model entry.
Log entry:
5h33
